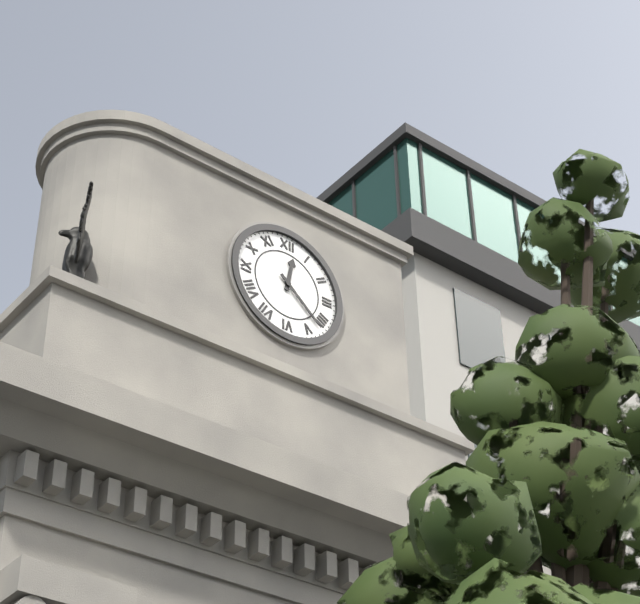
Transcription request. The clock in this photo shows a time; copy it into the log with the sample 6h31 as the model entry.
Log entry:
12h22
